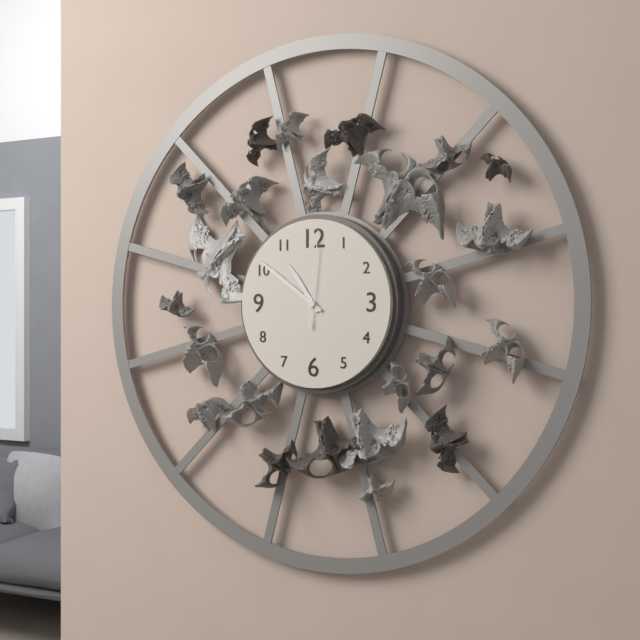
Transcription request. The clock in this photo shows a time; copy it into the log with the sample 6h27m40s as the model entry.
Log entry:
10h51m01s
